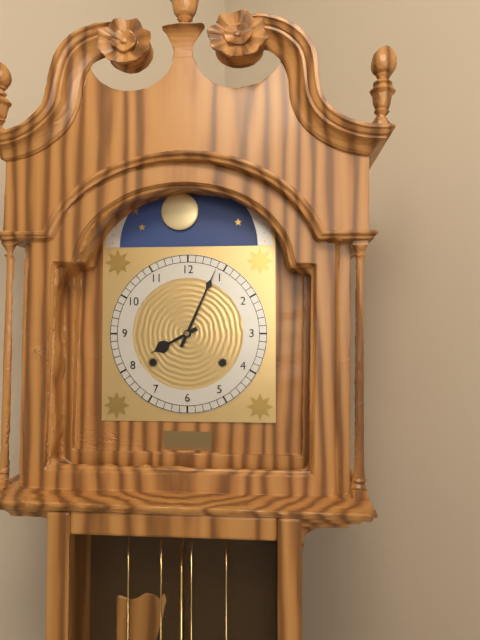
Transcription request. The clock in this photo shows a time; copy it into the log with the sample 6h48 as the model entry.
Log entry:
8h04
